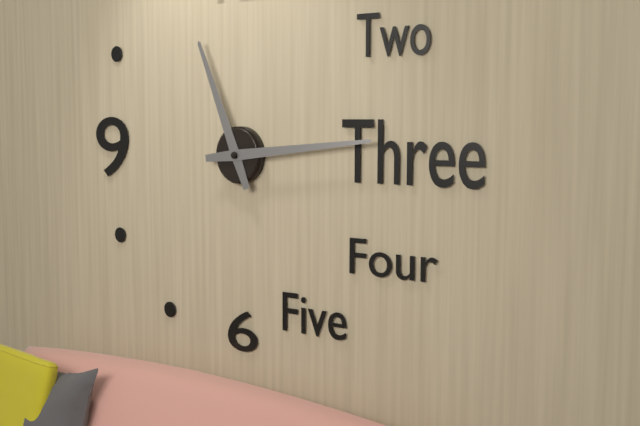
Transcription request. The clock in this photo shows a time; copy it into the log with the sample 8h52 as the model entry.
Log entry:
11h14
